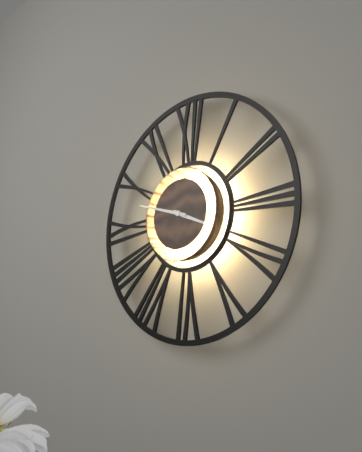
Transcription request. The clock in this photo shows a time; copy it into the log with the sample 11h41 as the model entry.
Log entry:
3h48
